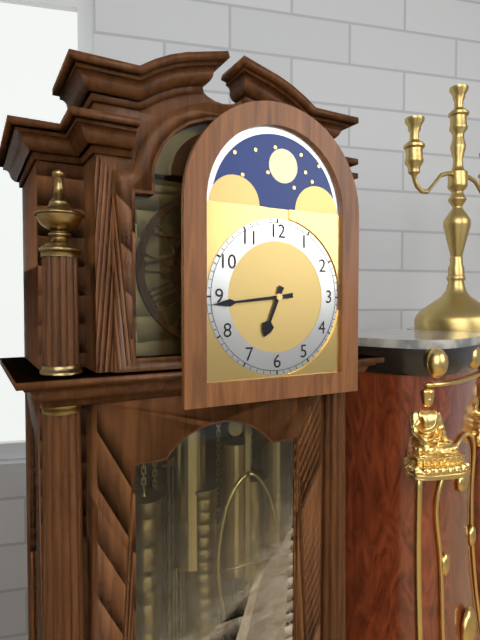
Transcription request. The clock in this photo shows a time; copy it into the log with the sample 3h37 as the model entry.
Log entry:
6h44
